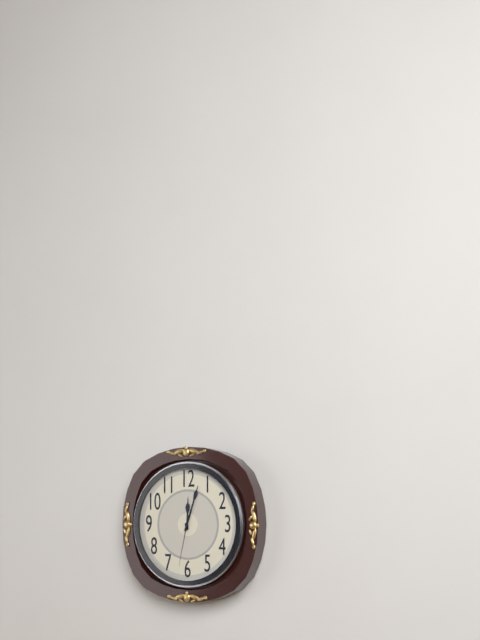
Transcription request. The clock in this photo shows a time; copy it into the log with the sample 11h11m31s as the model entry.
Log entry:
12h03m32s
